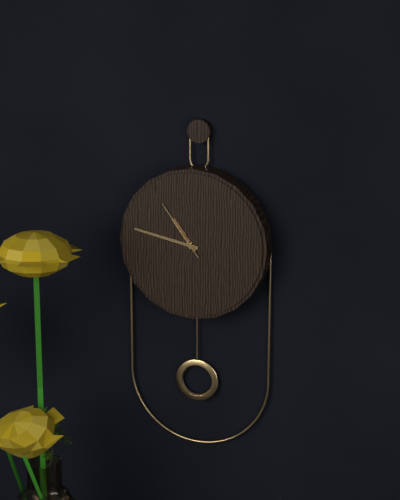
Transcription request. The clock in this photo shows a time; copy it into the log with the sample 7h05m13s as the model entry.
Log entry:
10h47m54s
